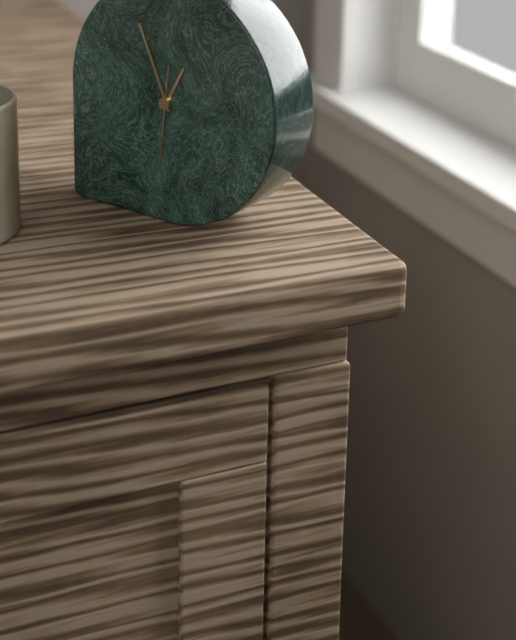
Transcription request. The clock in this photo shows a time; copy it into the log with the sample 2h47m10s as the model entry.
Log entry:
12h56m31s
